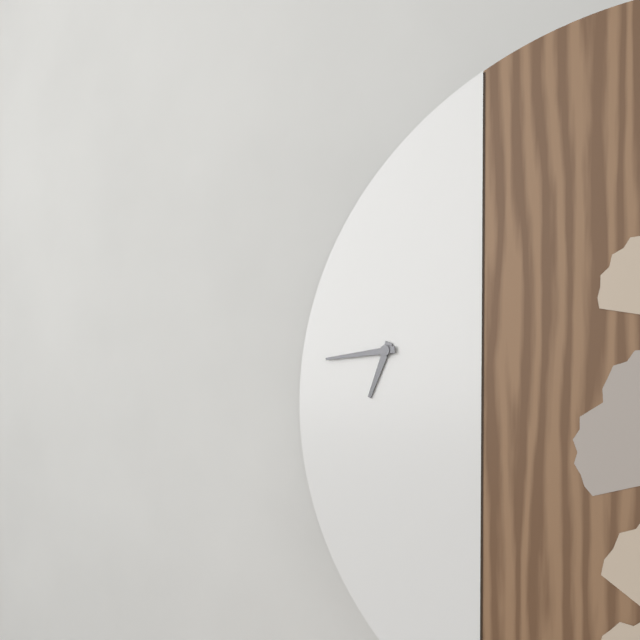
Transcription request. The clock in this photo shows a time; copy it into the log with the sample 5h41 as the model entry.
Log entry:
6h44
